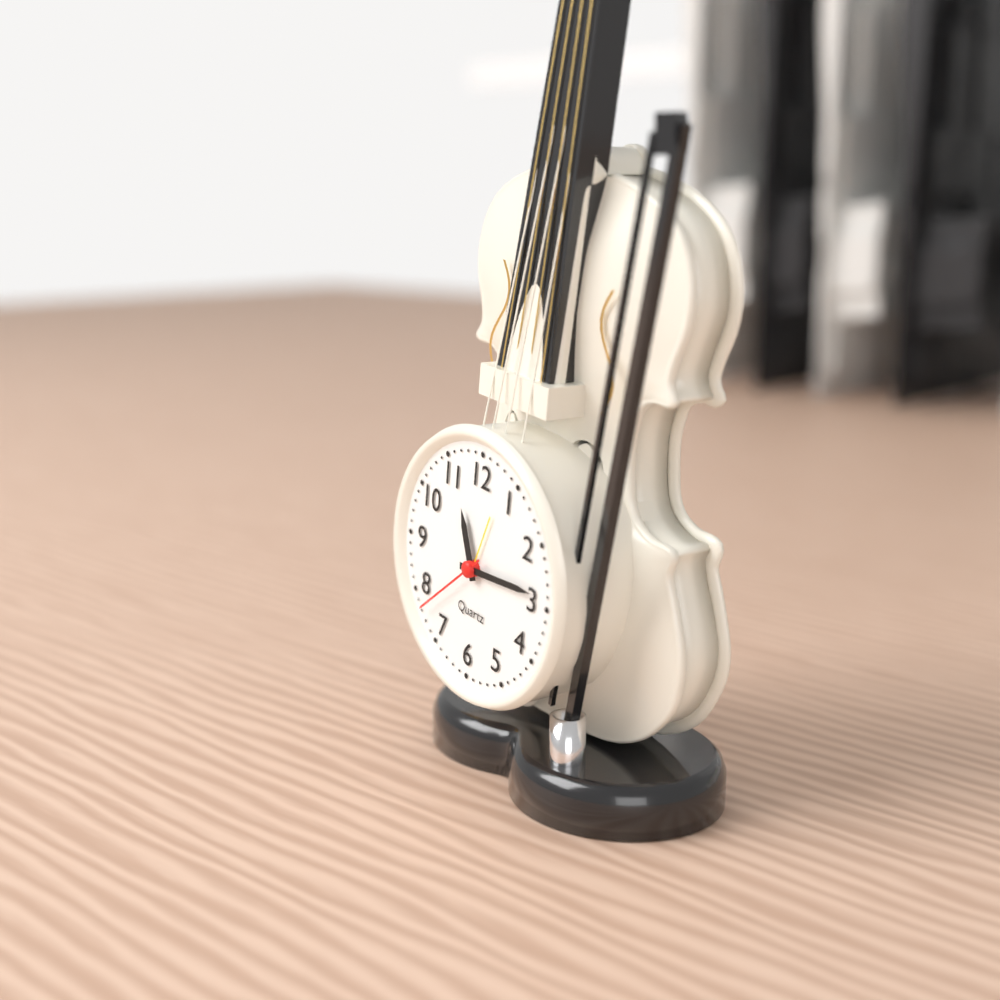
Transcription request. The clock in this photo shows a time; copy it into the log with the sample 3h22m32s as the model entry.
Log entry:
11h14m38s
